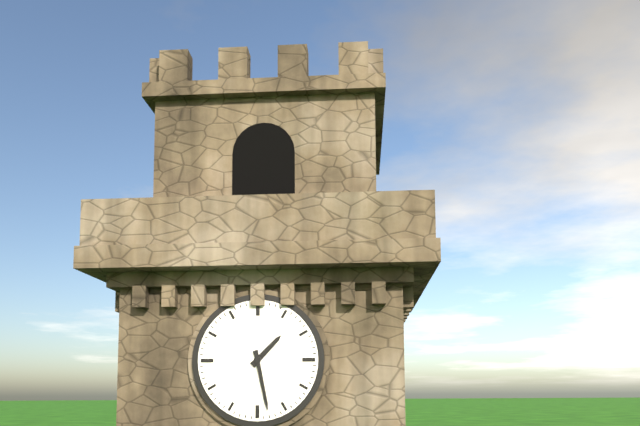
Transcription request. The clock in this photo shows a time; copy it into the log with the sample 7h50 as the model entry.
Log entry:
1h28
